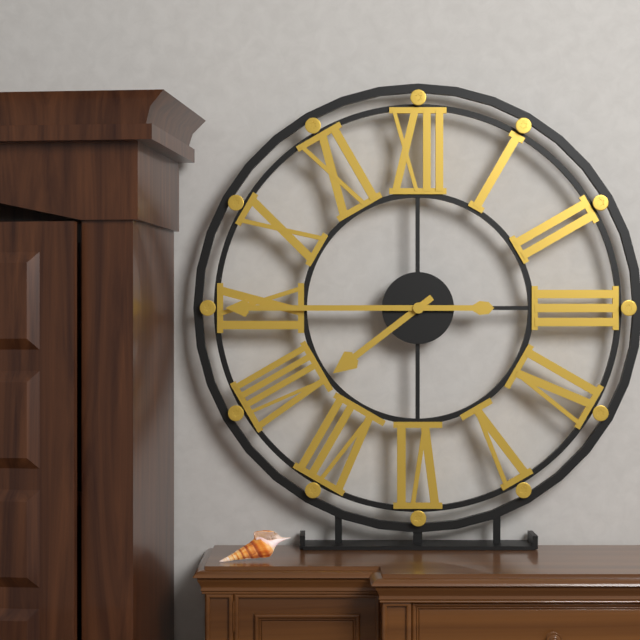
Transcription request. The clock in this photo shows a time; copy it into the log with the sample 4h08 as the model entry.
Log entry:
7h45
